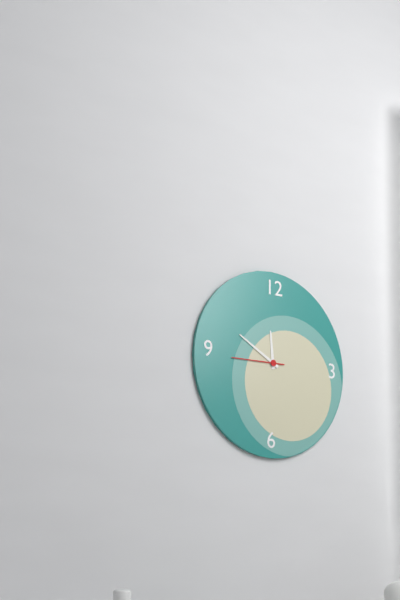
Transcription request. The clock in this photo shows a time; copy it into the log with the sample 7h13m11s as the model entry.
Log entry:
11h50m45s
